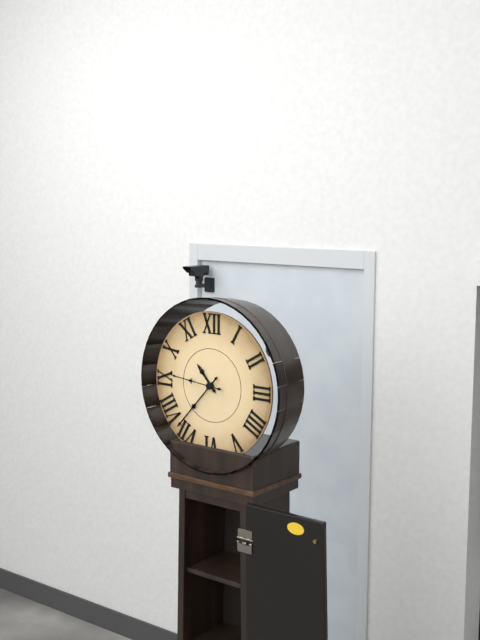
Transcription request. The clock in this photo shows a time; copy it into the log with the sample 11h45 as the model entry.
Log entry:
10h37
